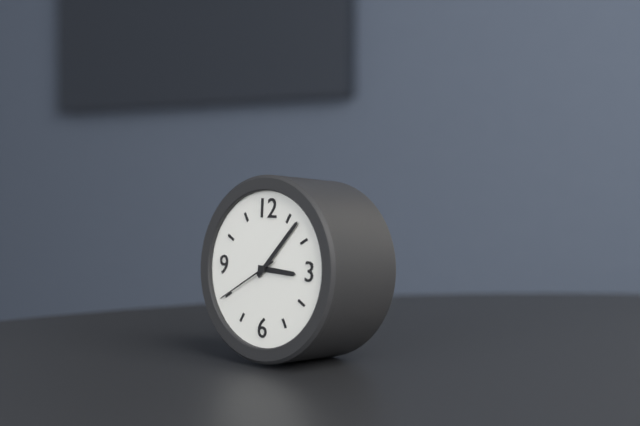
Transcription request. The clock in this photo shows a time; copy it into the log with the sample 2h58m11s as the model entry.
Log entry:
3h07m40s
